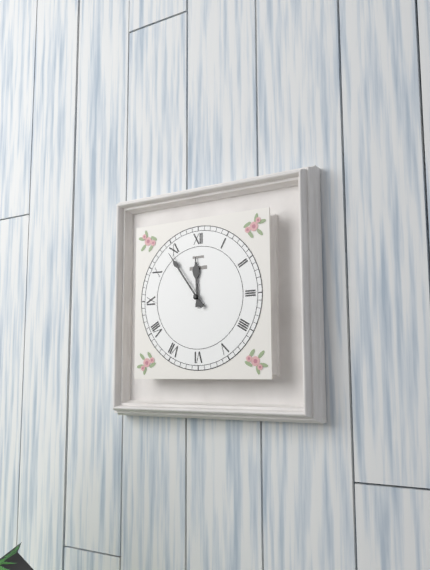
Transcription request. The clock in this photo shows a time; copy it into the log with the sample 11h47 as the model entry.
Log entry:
11h54
